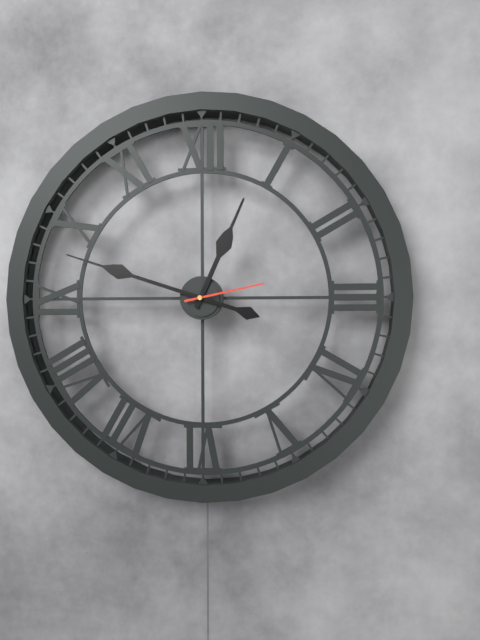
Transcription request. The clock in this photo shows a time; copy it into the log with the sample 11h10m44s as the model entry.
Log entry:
12h48m13s
